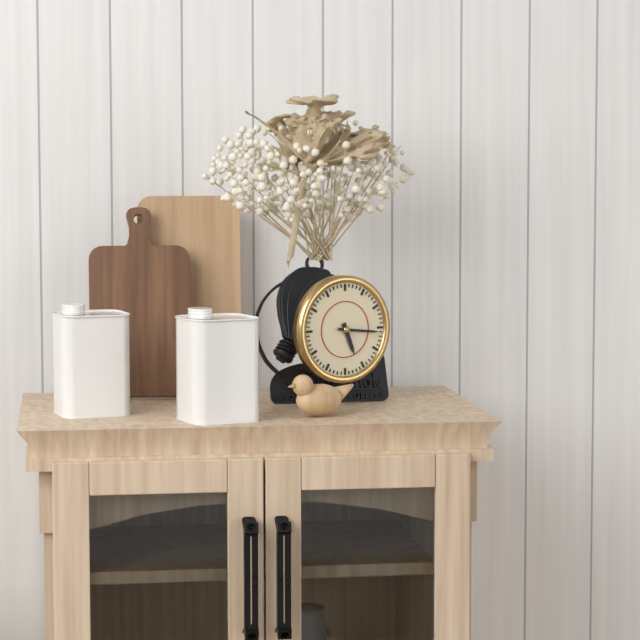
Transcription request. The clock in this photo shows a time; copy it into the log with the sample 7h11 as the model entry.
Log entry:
5h16
